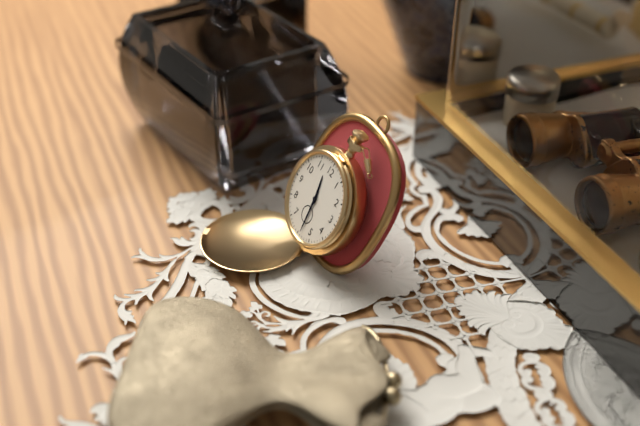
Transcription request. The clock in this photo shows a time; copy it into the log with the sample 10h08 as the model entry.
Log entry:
11h29
